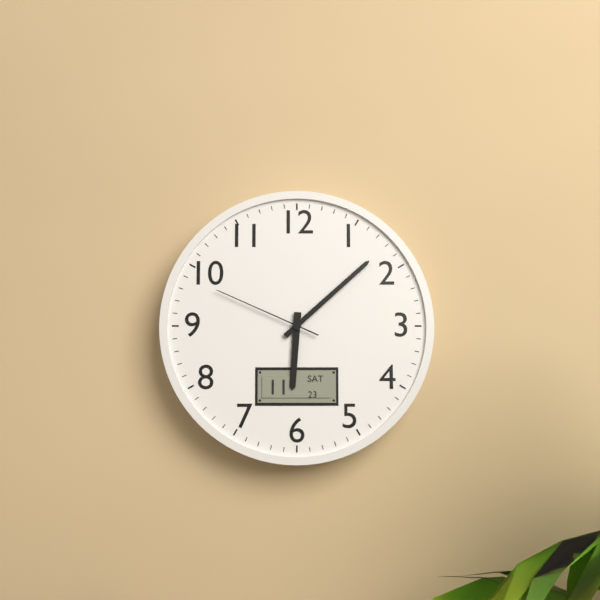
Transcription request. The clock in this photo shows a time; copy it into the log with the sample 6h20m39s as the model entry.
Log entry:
6h08m49s
